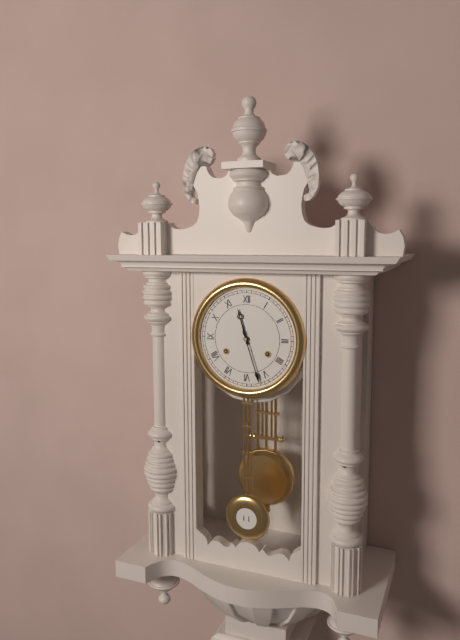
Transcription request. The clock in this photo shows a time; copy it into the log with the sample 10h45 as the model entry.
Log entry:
11h27
